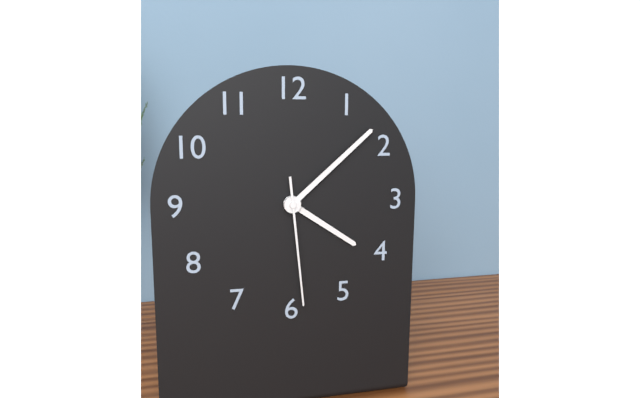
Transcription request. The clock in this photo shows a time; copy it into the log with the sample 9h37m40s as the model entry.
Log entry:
4h08m29s
